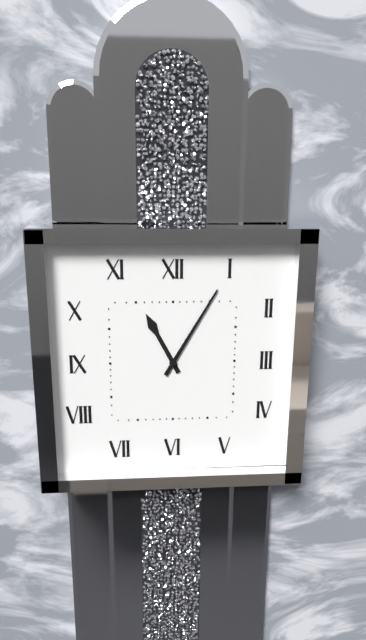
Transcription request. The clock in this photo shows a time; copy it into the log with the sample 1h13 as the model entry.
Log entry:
11h05
